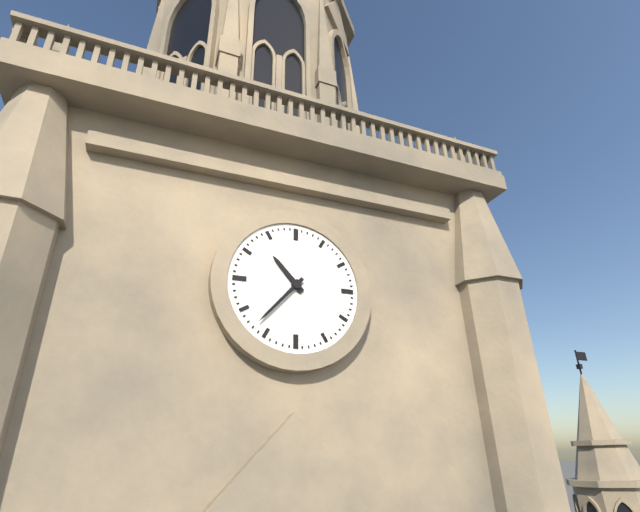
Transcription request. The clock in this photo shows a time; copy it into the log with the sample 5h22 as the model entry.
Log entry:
10h37
